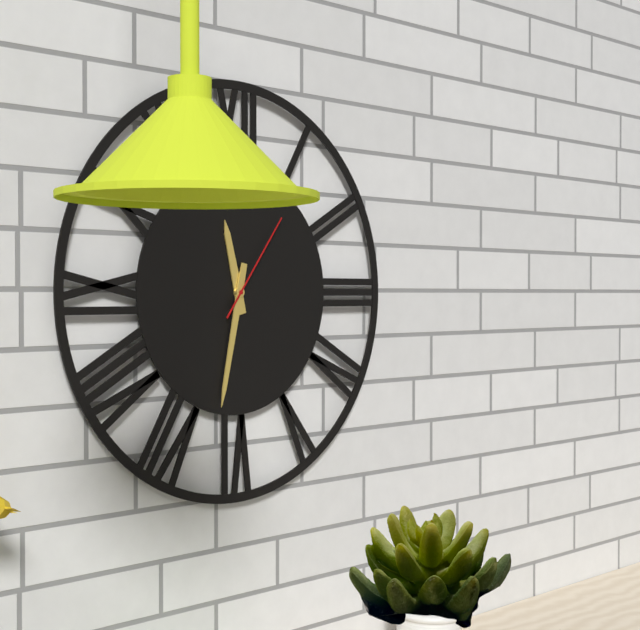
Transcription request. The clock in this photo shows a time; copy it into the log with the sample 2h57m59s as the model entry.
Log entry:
11h32m06s
